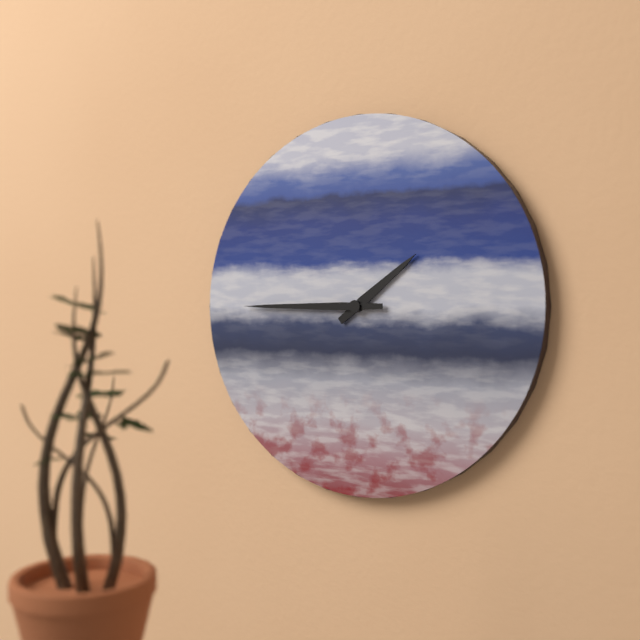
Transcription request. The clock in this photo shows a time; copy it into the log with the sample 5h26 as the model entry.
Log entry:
1h45
